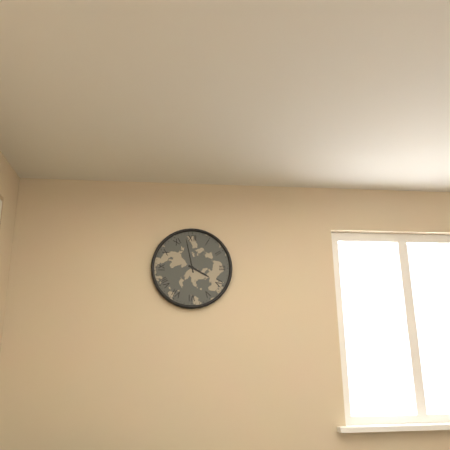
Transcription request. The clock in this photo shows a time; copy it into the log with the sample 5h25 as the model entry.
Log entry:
3h58
